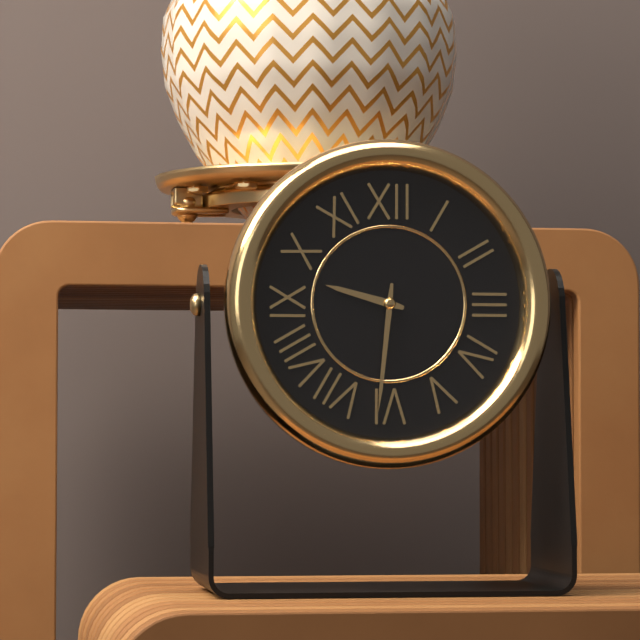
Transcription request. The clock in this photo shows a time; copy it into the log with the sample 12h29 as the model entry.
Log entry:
9h31
